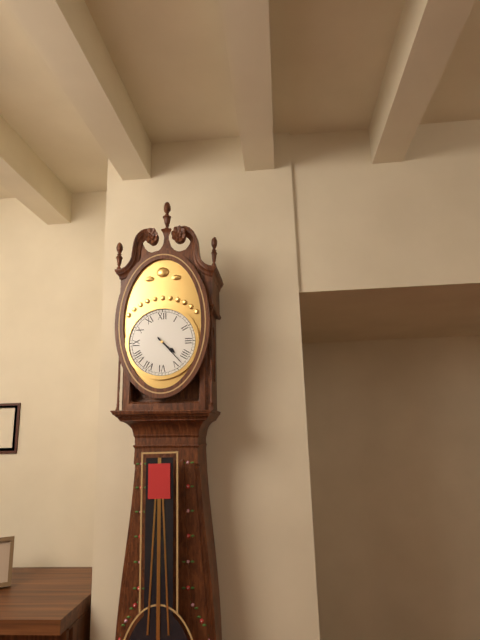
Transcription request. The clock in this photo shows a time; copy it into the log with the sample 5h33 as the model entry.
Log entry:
4h23
